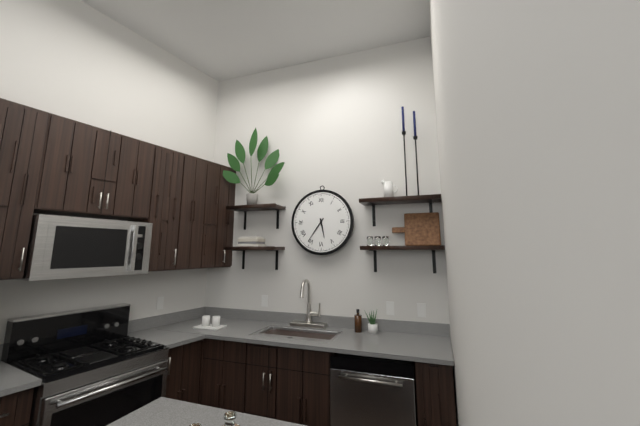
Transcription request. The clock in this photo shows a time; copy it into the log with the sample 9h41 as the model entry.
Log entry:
5h36
